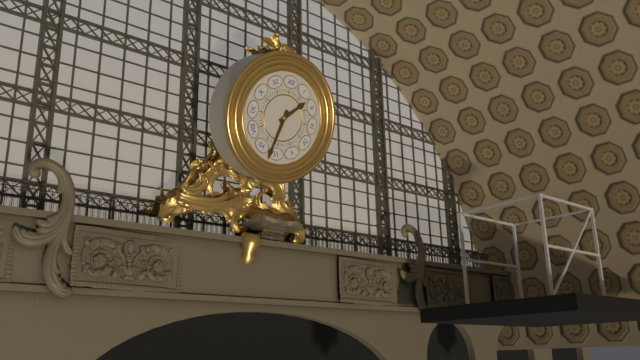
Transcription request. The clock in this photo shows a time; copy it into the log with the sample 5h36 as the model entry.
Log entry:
1h32
